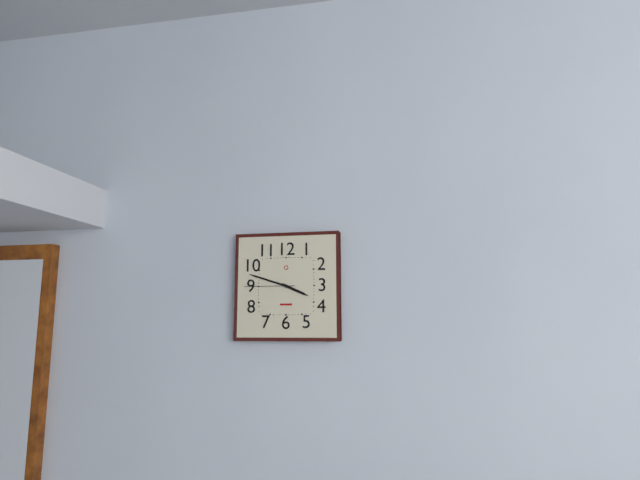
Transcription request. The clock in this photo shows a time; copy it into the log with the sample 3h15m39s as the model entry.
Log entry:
3h48m45s
